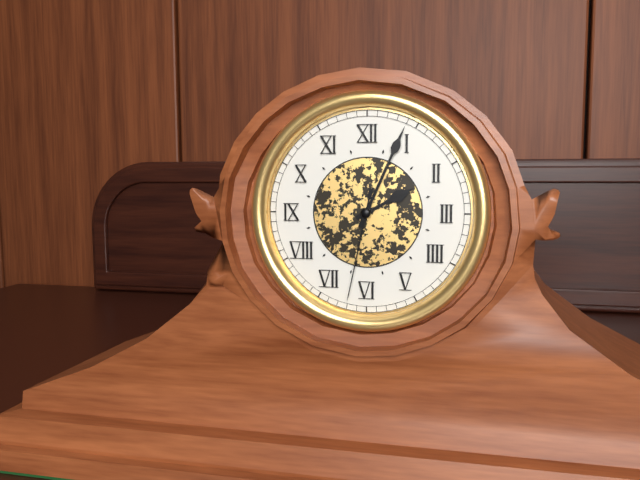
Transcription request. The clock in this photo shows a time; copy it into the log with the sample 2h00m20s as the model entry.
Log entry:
2h04m32s
